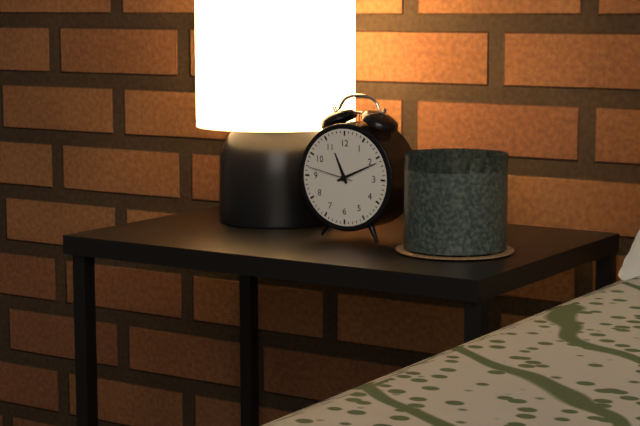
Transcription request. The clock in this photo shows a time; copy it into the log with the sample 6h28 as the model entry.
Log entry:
11h11
